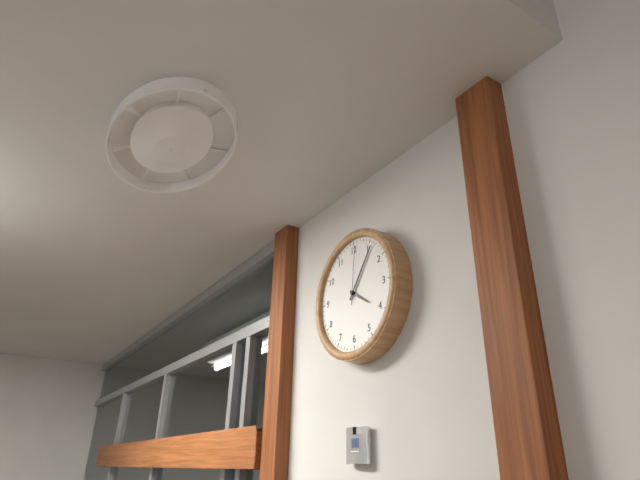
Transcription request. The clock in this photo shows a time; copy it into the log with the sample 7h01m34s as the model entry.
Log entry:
4h06m01s
